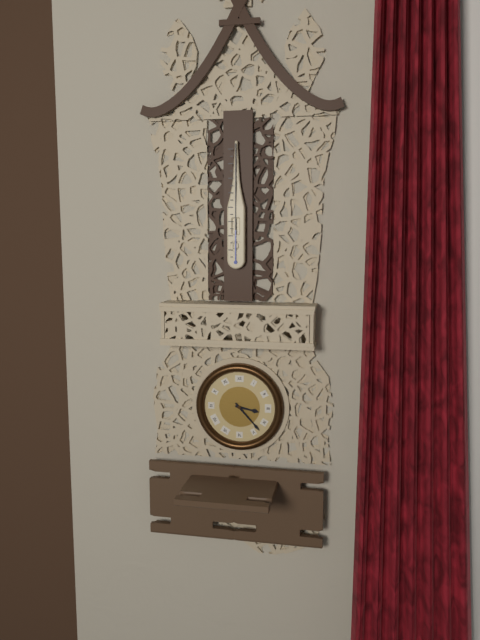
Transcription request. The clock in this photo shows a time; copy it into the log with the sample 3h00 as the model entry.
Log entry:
3h23
